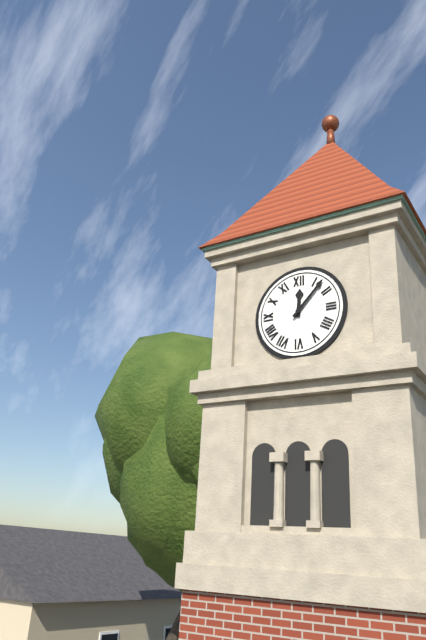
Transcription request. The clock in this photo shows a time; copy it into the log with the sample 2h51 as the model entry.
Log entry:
12h07
